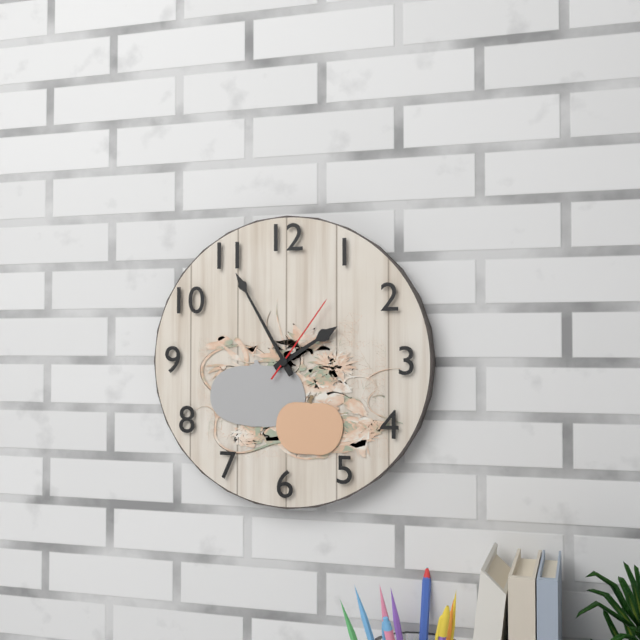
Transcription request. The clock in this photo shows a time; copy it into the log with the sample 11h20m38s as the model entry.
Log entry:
1h55m06s
